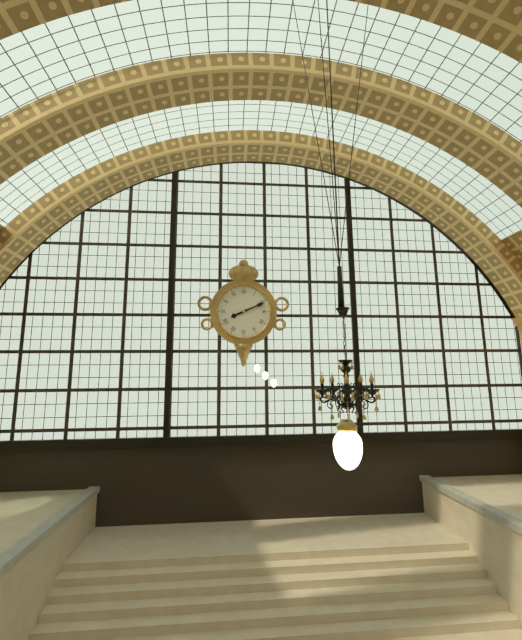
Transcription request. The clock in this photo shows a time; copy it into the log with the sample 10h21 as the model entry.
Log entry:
8h11
